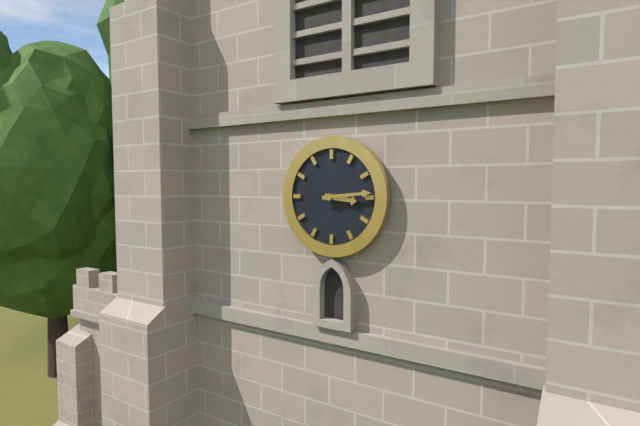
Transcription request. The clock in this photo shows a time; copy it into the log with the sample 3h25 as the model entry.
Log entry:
3h14
